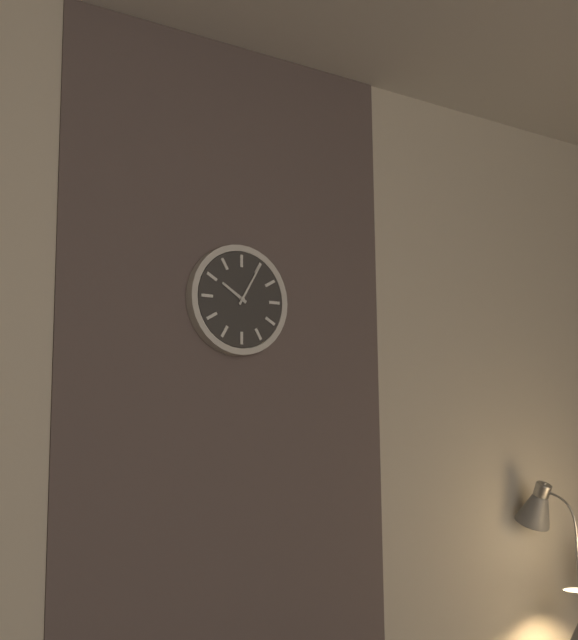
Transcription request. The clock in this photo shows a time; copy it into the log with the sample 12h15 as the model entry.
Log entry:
10h05
